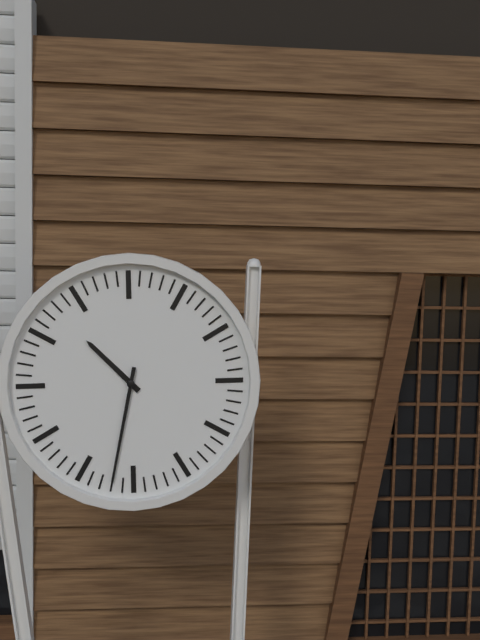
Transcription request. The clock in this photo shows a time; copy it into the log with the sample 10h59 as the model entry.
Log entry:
10h32
